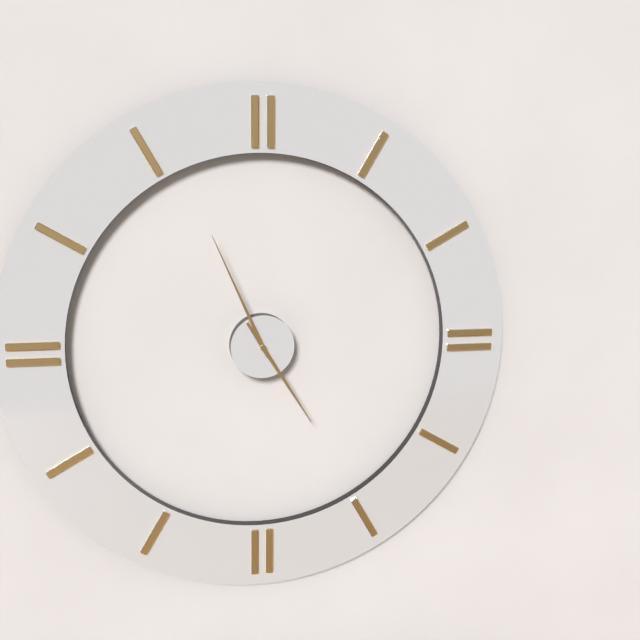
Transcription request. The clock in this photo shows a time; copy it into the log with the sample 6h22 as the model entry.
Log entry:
4h56
